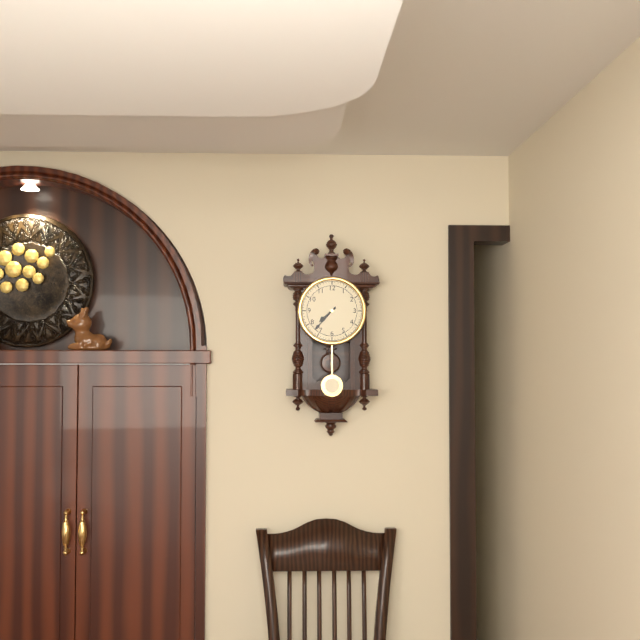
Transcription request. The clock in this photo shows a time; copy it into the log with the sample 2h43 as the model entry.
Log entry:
7h37
